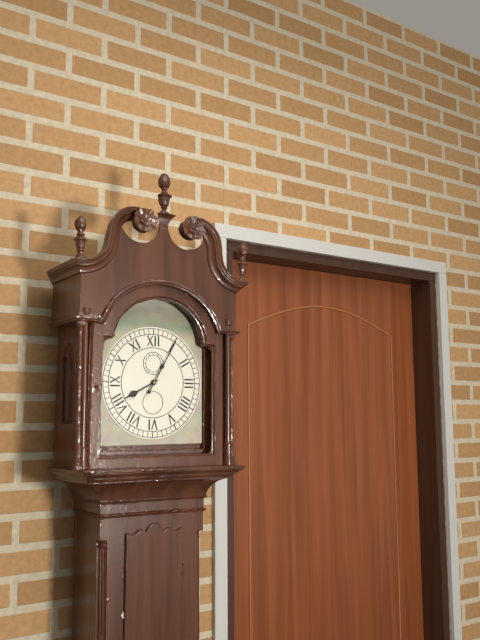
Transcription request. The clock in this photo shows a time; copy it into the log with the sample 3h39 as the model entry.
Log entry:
8h05
